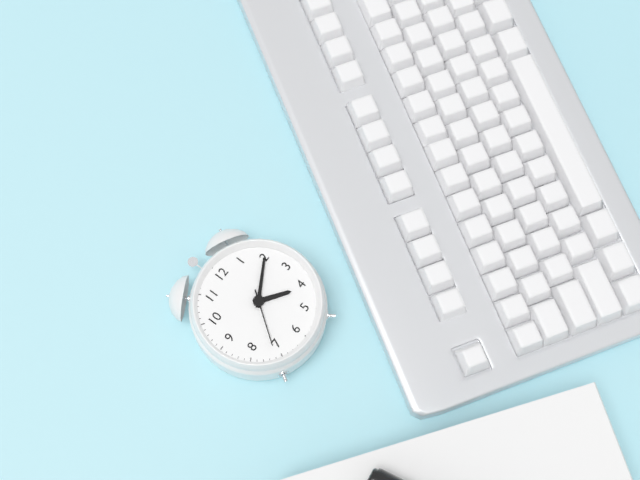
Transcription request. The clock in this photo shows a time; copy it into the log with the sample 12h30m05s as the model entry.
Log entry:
4h10m36s
